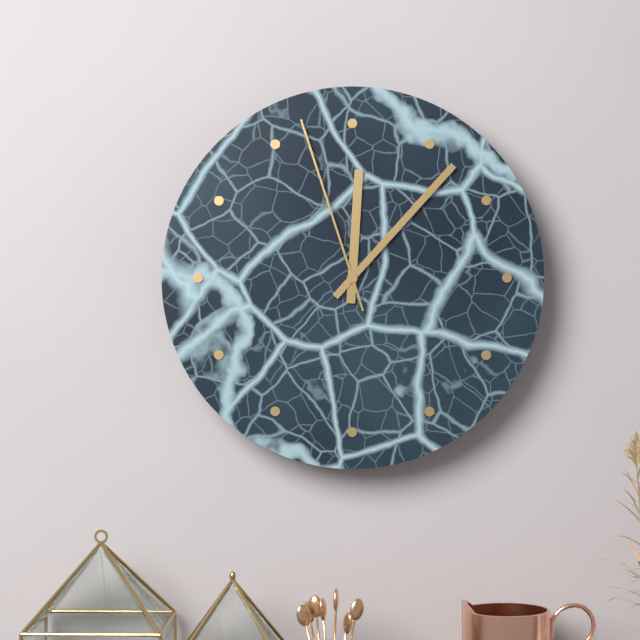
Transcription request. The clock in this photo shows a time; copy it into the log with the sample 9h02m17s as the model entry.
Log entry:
12h07m57s
